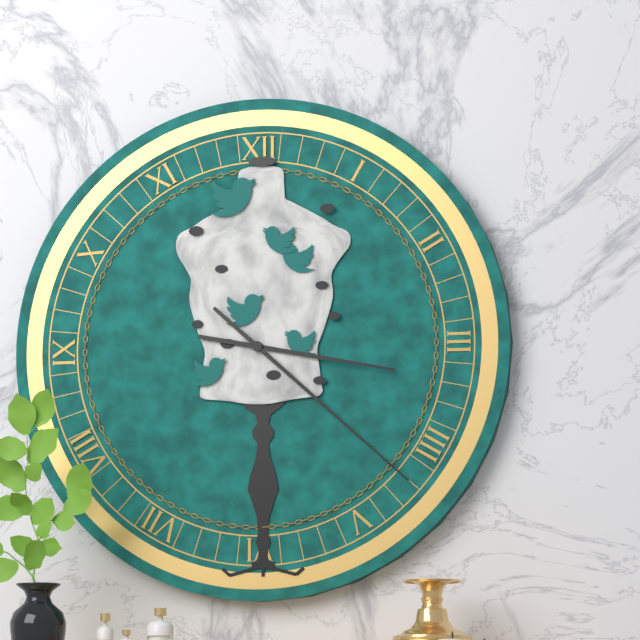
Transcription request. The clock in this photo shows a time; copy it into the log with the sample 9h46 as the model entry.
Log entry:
3h22
